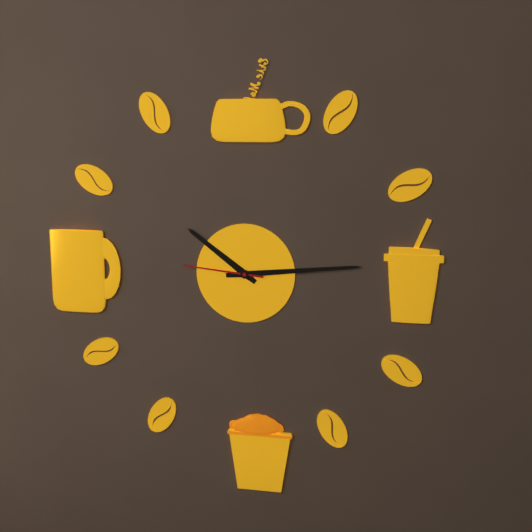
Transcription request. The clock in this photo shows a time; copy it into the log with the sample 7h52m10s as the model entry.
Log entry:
10h14m46s
